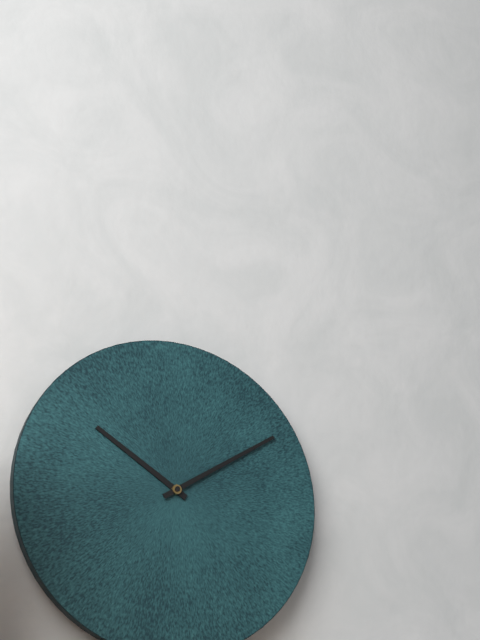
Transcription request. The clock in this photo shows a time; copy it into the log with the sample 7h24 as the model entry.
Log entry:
10h10
